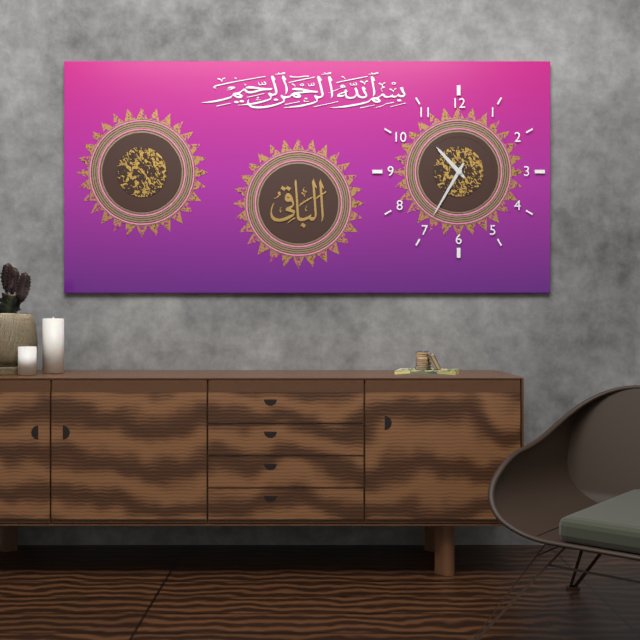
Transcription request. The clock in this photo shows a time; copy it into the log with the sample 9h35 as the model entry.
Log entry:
10h35
